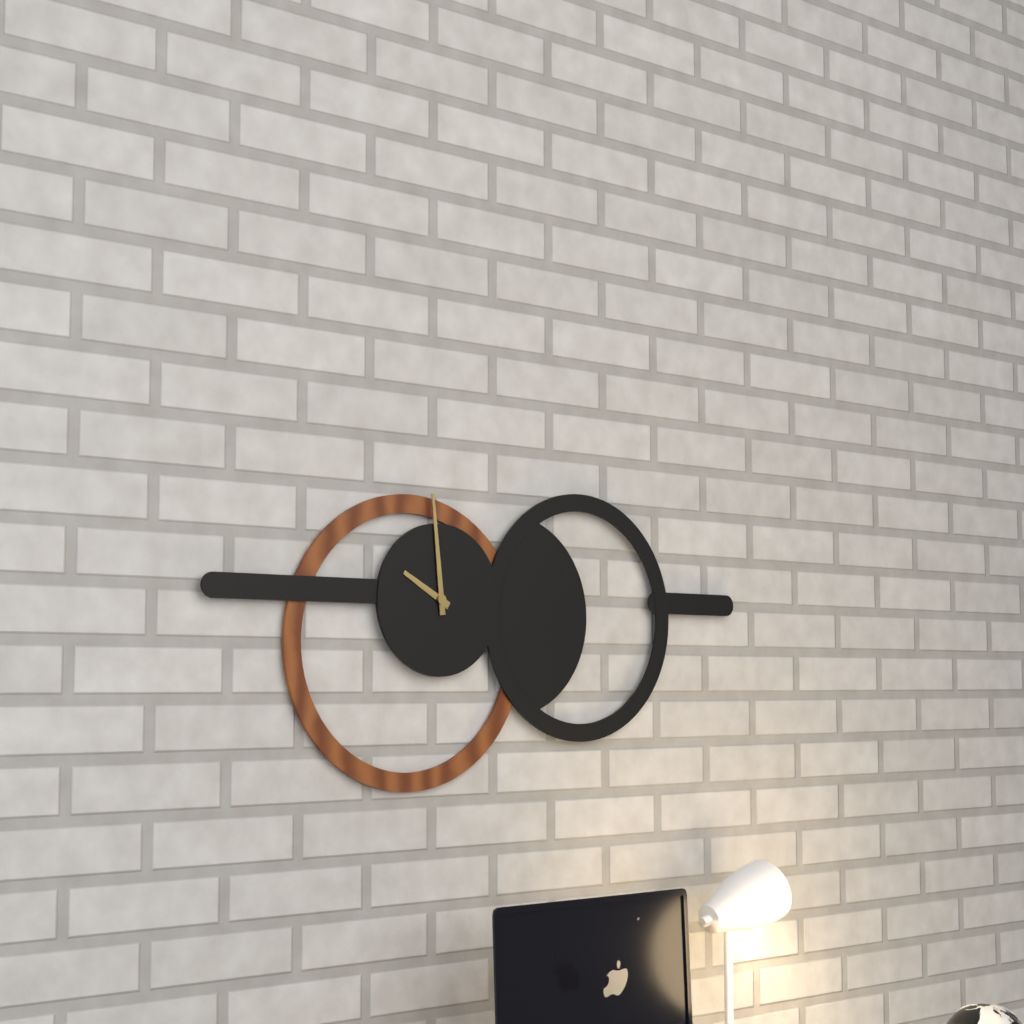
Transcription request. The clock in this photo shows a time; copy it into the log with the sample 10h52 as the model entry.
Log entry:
9h59
